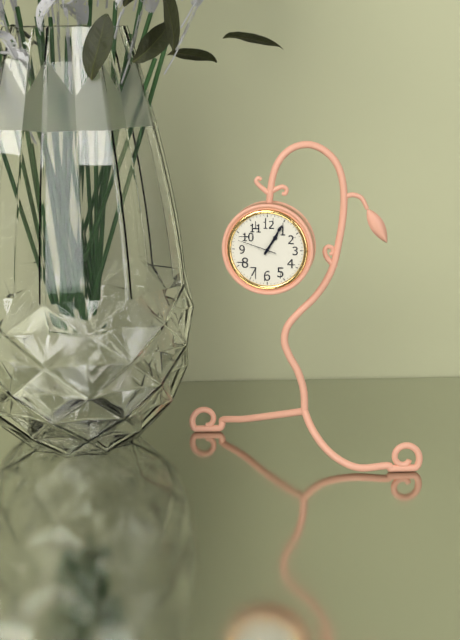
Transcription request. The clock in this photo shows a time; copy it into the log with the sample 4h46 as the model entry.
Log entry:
1h05
